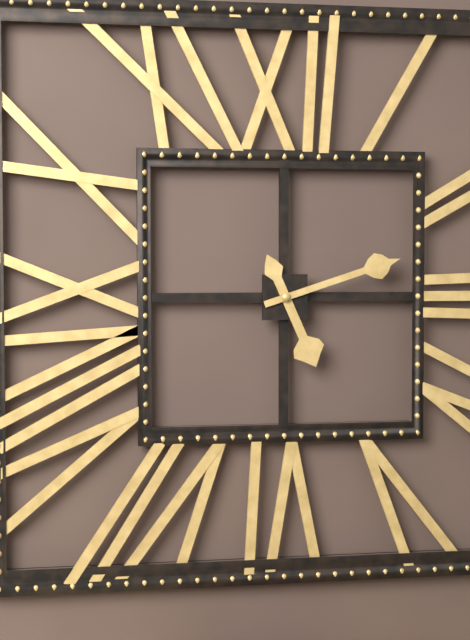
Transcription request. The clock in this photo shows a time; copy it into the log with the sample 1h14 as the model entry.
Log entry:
5h12
